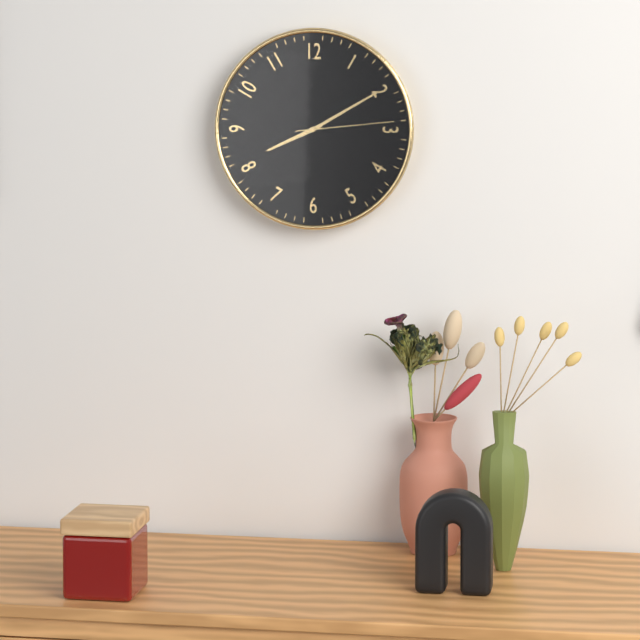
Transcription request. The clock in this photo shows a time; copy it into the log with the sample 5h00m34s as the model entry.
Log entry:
8h10m14s
